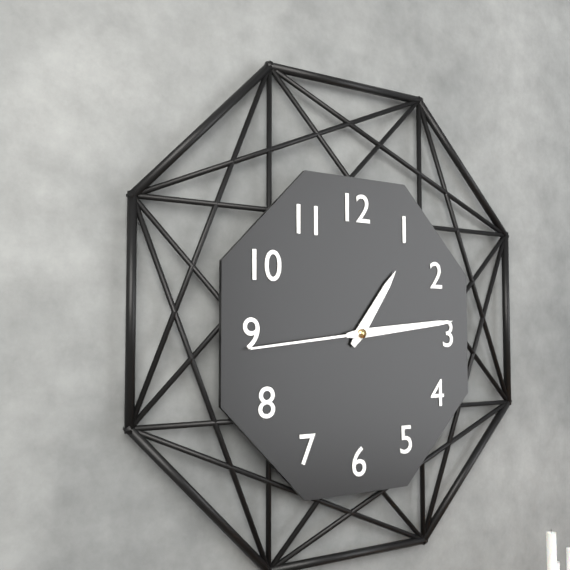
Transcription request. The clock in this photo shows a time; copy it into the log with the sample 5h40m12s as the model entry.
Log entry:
1h14m44s
